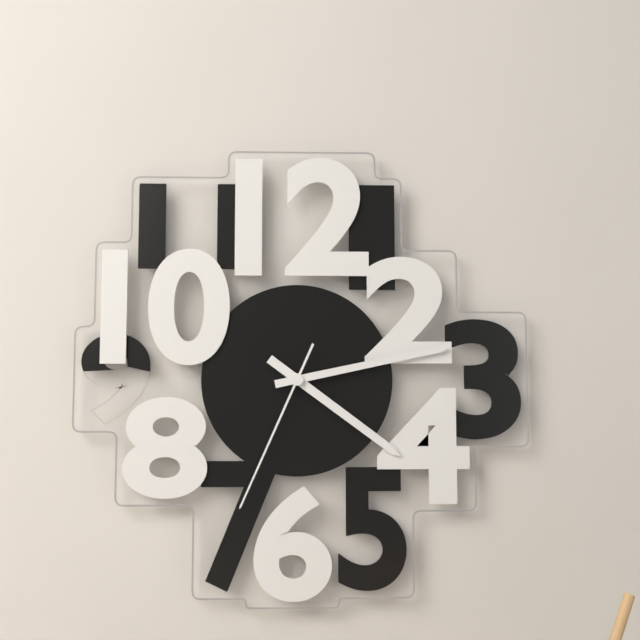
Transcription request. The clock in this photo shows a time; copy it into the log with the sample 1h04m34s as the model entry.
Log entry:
4h13m34s
